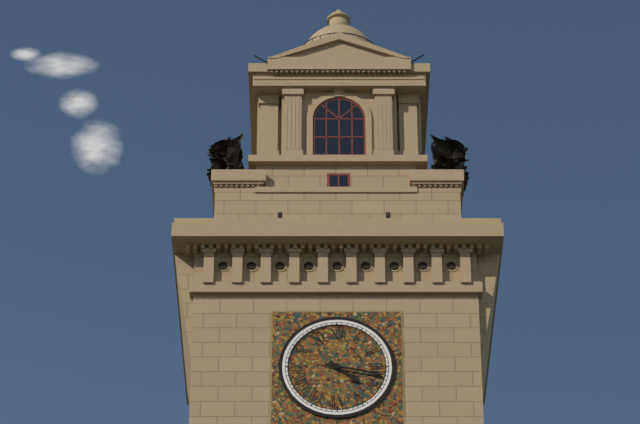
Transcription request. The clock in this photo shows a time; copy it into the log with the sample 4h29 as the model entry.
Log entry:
4h17
